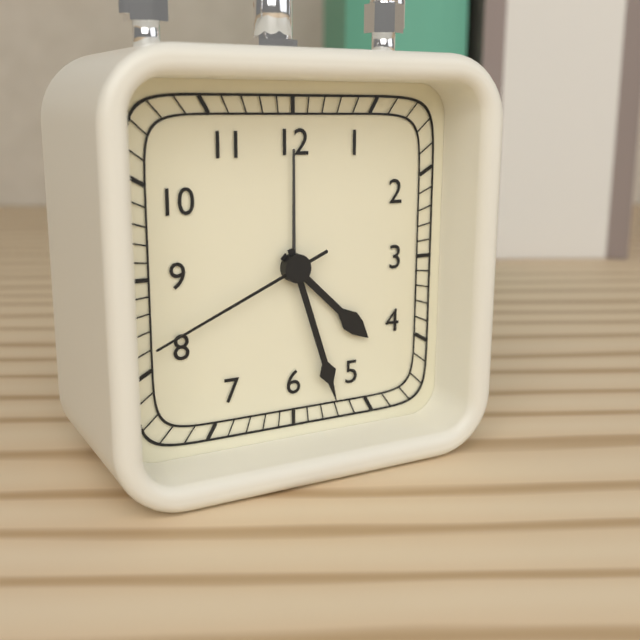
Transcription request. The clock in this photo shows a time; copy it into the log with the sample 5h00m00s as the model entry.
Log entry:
4h27m41s
